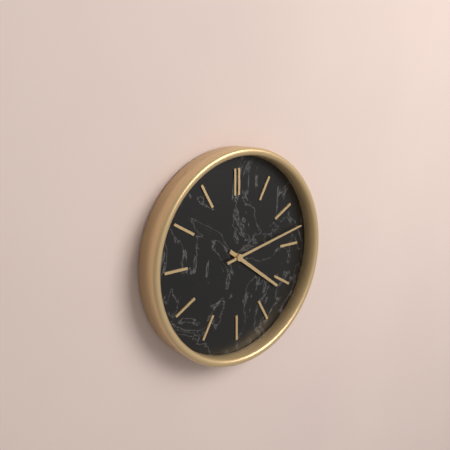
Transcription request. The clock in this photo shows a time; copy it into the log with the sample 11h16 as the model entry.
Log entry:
4h13
